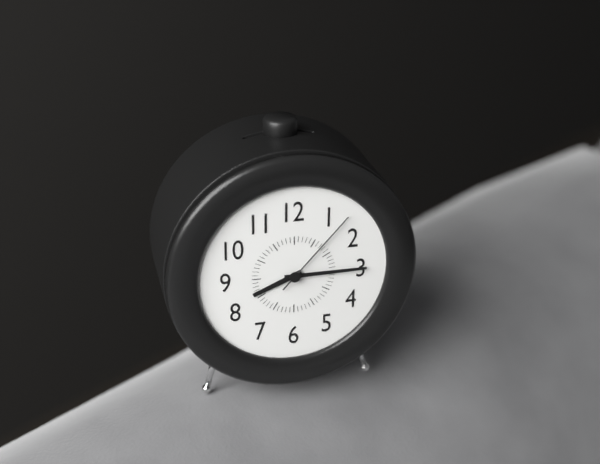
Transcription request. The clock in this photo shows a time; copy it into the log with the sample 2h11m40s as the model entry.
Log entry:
8h15m07s
